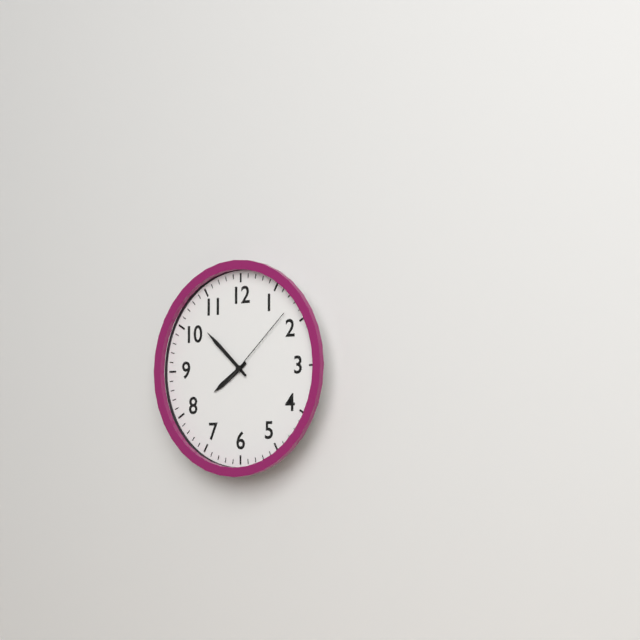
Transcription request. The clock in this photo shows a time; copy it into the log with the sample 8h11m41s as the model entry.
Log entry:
7h52m08s
